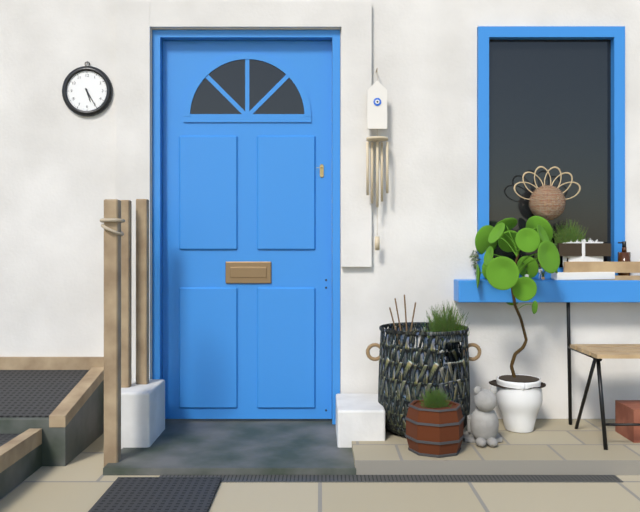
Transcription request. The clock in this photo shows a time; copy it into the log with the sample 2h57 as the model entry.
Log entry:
5h25
